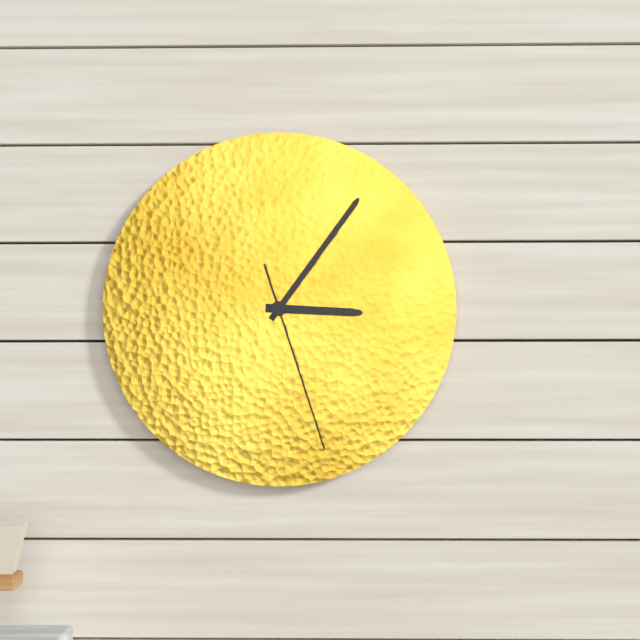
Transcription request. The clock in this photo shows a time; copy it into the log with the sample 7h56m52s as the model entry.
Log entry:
3h06m27s
